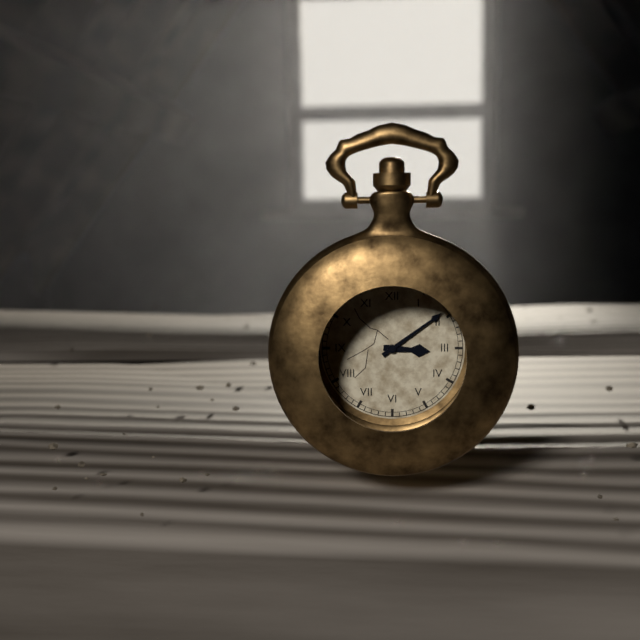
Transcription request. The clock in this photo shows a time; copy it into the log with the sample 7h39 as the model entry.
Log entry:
3h09
